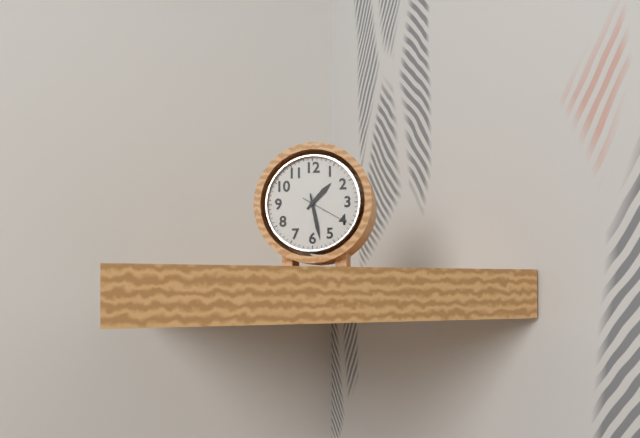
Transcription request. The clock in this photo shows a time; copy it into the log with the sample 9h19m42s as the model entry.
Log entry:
1h28m20s
